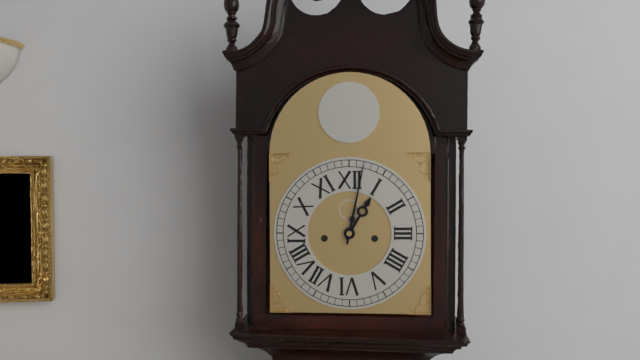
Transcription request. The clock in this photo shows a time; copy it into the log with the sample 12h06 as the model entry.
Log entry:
1h02
